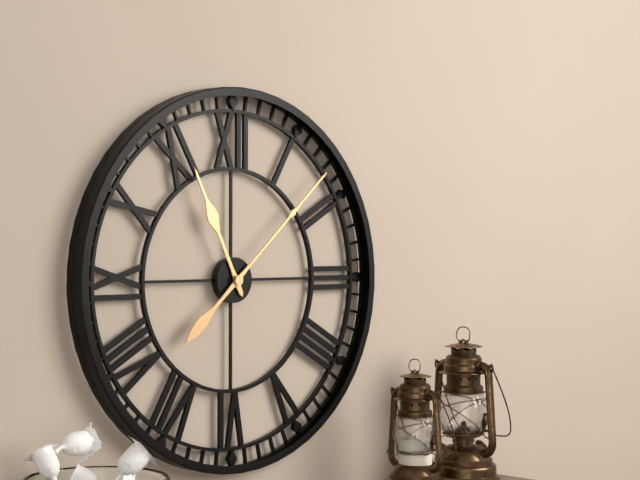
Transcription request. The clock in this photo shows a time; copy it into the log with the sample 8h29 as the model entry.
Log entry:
11h08
